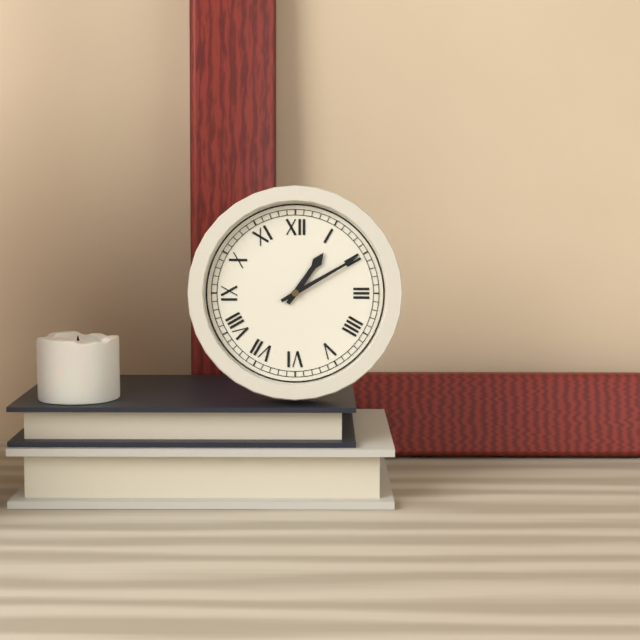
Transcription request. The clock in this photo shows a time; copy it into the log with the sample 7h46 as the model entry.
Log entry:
1h10
